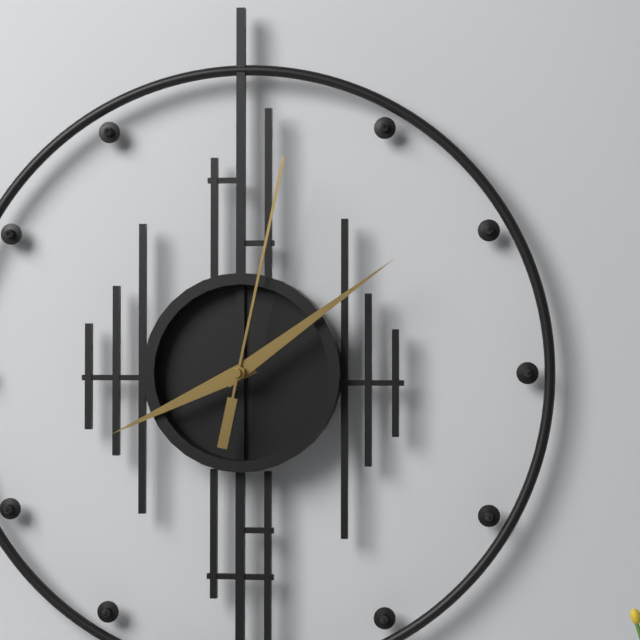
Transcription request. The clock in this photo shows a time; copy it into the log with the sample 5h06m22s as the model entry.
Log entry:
8h09m02s
